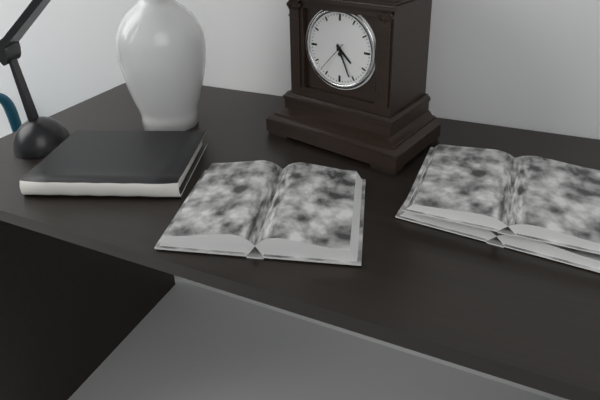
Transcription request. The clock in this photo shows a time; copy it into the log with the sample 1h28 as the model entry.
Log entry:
4h26
